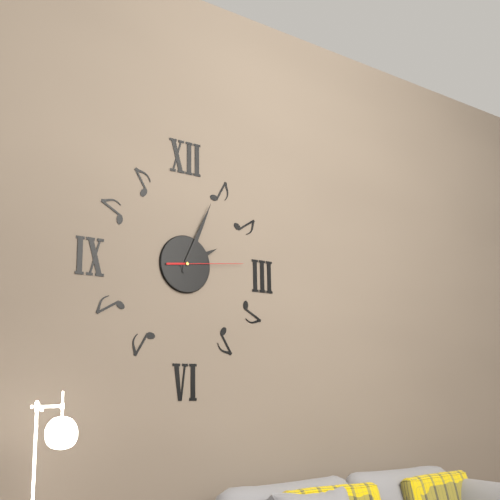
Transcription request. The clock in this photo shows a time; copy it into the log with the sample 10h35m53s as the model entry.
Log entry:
2h04m14s
